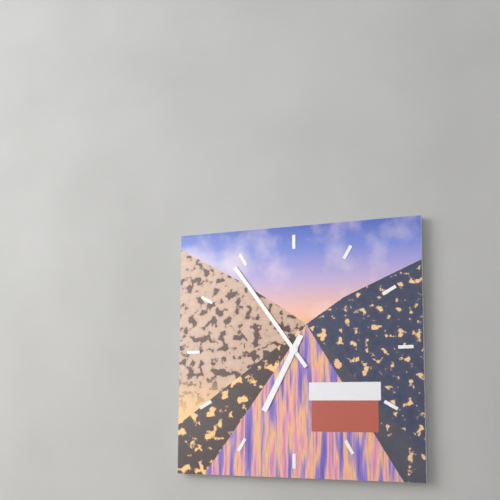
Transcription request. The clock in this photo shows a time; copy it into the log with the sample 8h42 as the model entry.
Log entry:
6h54
